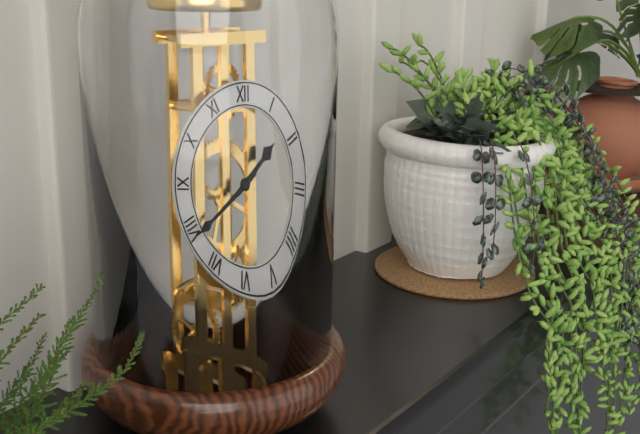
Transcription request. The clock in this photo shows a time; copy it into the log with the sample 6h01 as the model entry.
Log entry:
1h39
